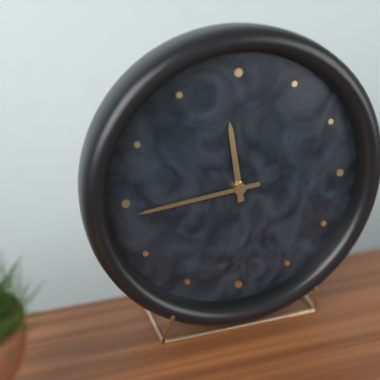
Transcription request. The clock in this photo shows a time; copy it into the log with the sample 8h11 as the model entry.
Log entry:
11h44
